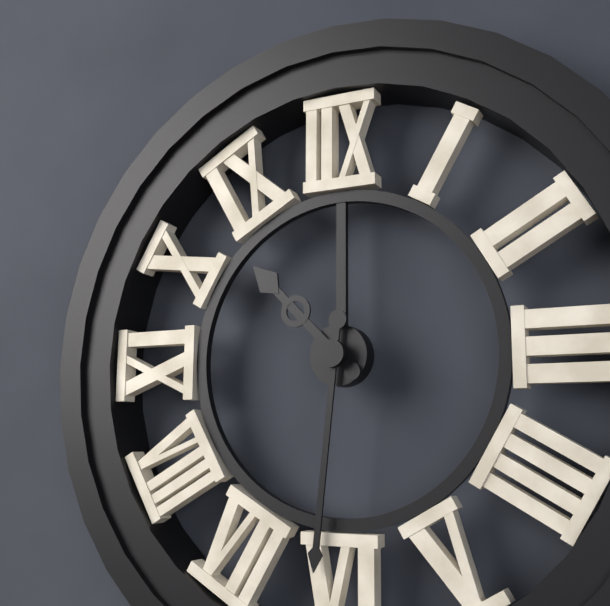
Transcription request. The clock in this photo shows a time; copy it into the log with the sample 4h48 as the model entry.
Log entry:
10h31
